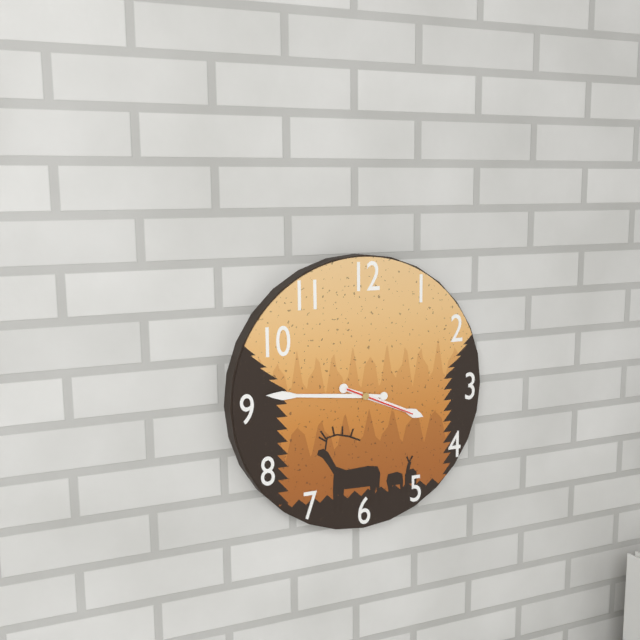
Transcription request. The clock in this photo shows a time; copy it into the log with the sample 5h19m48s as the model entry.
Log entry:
3h46m19s
